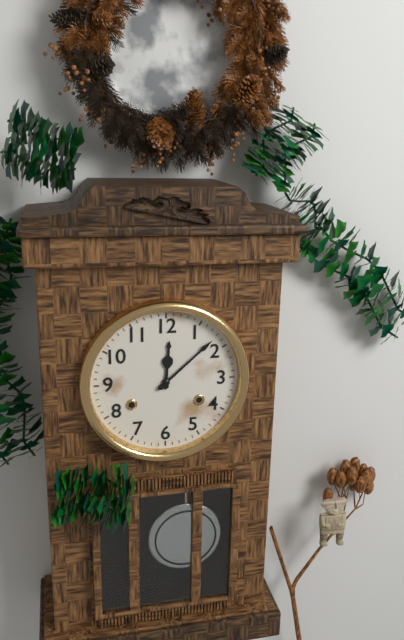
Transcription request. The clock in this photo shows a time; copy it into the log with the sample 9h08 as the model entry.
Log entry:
12h08
